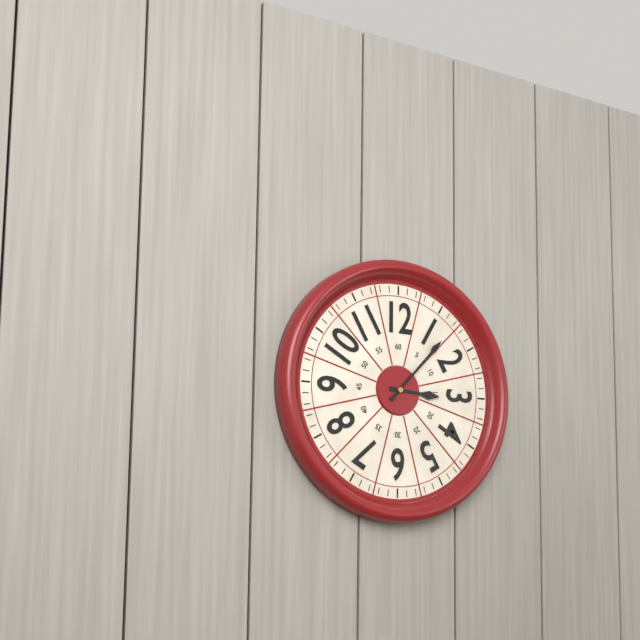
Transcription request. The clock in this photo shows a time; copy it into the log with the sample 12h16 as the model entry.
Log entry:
3h07
